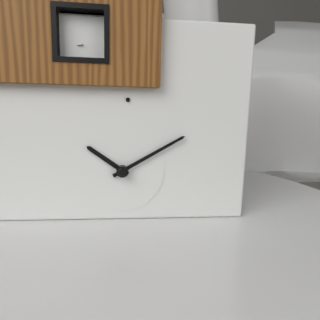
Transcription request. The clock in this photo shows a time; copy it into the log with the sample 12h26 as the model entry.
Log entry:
10h10
